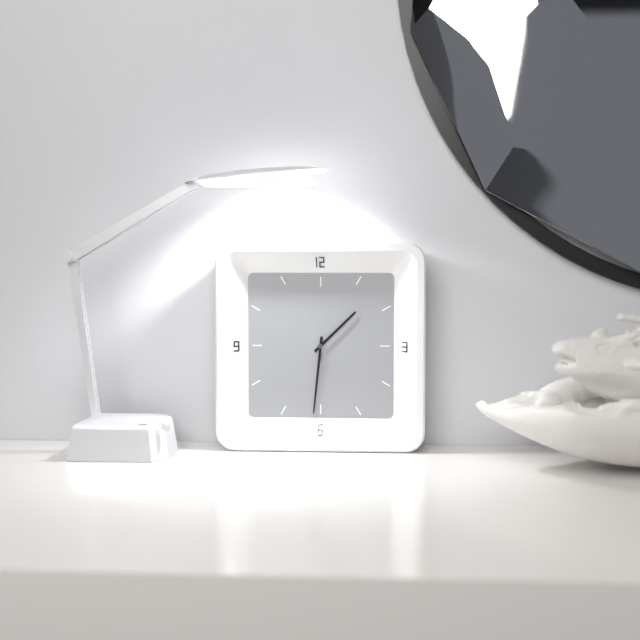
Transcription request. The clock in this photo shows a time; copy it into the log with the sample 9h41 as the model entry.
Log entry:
1h31
